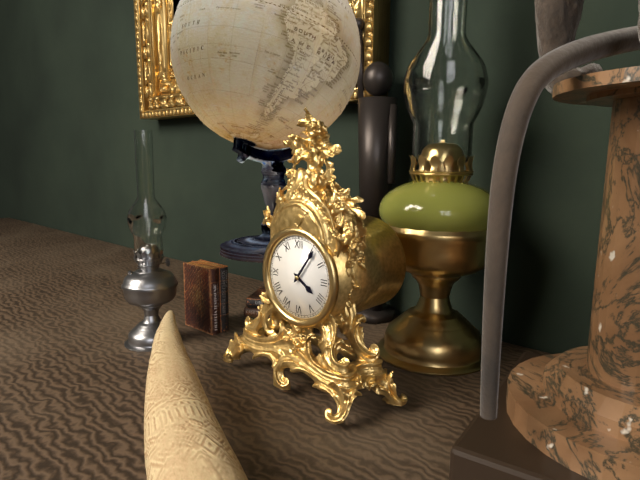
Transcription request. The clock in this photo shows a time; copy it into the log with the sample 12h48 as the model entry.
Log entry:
4h06
